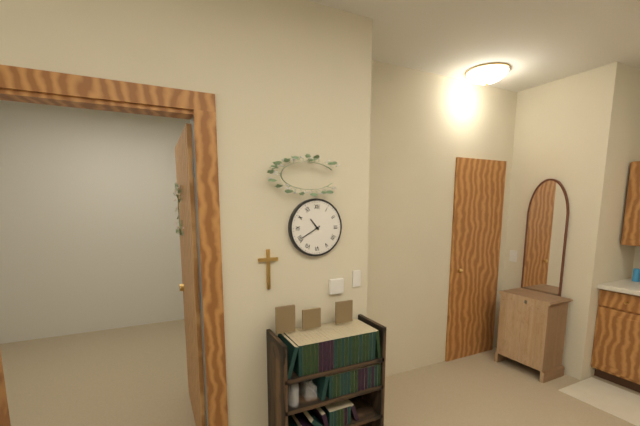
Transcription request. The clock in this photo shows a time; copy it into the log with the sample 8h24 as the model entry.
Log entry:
10h40
